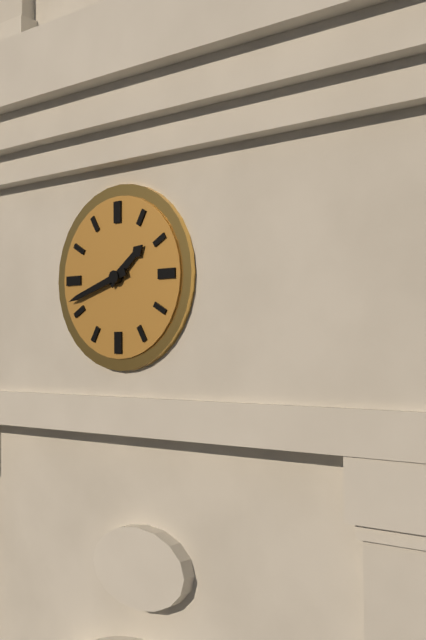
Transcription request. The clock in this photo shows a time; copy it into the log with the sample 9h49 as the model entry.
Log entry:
1h42
